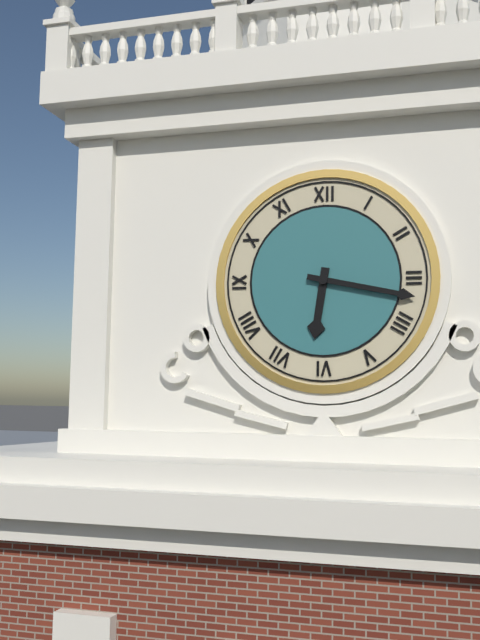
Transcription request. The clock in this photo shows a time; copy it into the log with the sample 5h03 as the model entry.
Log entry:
6h17
